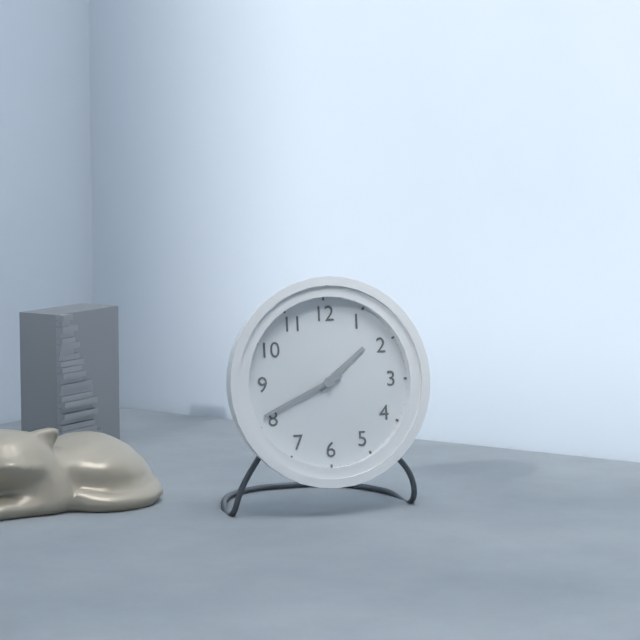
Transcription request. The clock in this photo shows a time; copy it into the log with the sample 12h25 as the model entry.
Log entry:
1h41
